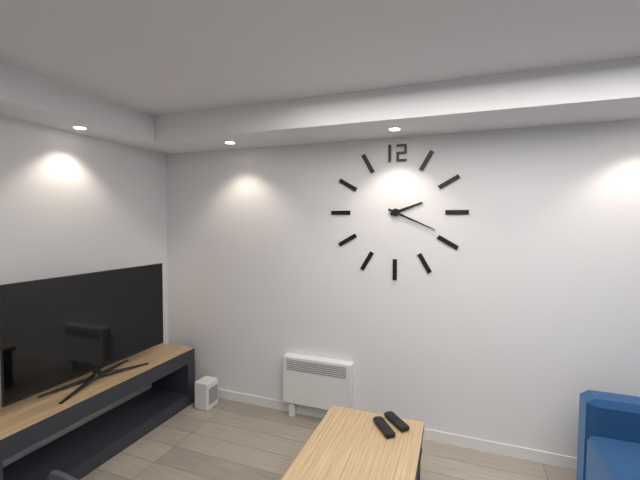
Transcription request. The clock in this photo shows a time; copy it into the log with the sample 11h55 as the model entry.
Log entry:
2h19
